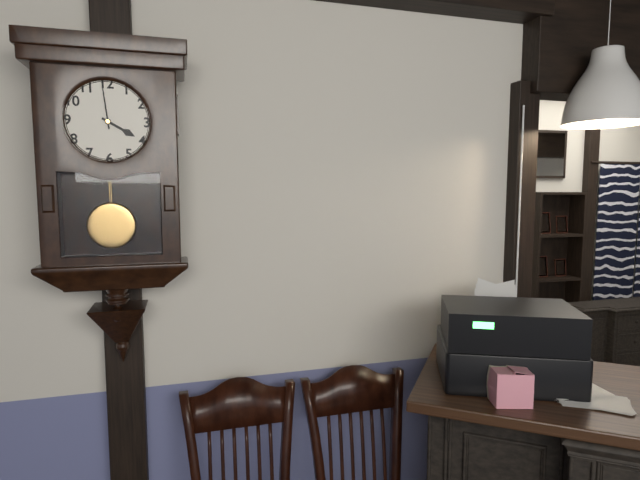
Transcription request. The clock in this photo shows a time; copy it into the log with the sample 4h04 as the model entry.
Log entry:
3h59
